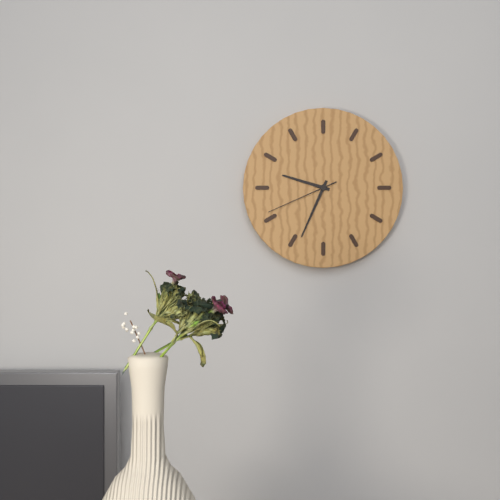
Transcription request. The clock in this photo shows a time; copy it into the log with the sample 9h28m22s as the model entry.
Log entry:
9h34m41s
